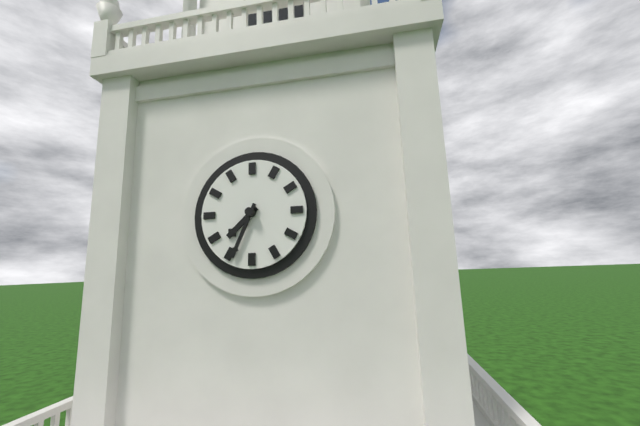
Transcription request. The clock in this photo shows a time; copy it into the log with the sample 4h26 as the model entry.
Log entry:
7h34
